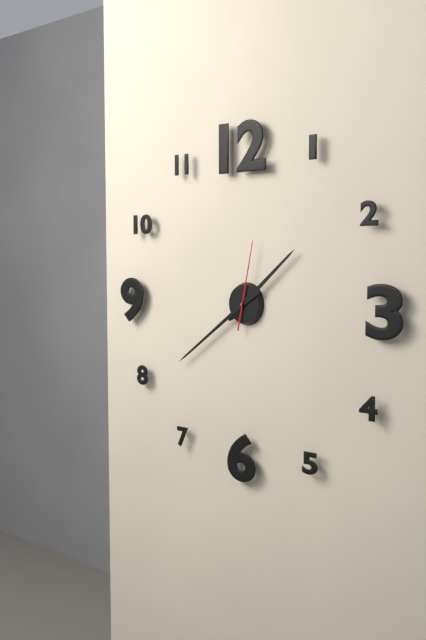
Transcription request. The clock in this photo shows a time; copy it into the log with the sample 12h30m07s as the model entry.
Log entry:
1h39m02s
